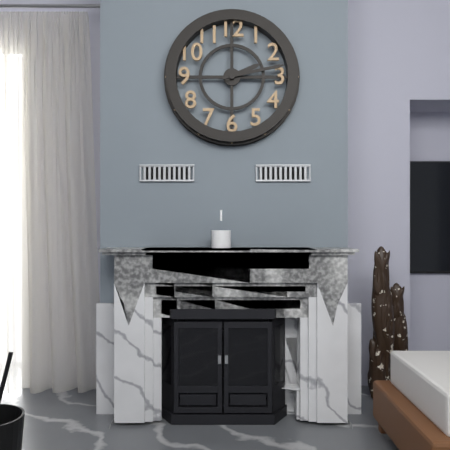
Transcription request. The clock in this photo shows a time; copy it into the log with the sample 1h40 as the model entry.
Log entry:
2h13
